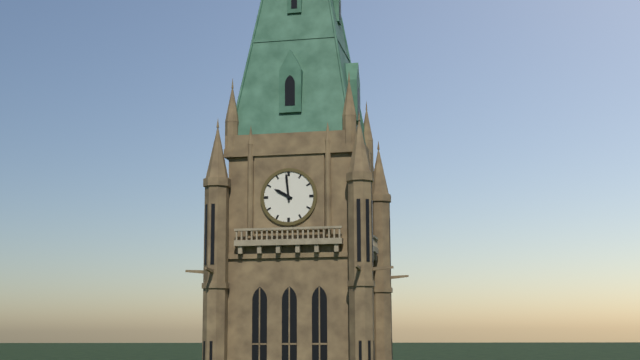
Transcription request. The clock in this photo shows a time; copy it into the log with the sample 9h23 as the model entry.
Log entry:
9h59
